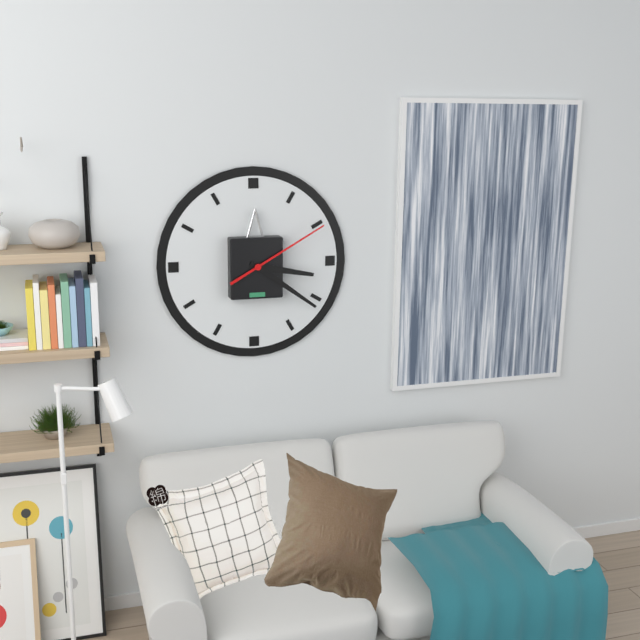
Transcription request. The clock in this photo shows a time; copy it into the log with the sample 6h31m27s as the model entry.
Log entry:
3h21m10s
